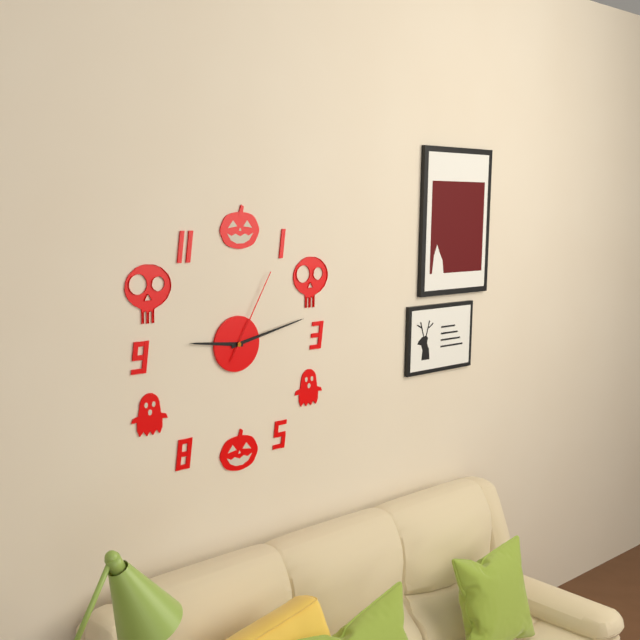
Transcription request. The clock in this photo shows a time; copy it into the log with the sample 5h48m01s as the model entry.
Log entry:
9h13m05s
